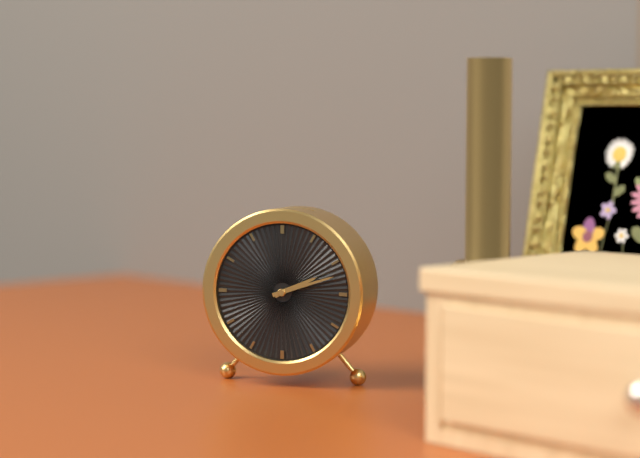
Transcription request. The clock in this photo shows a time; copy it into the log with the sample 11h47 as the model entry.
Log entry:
2h12
